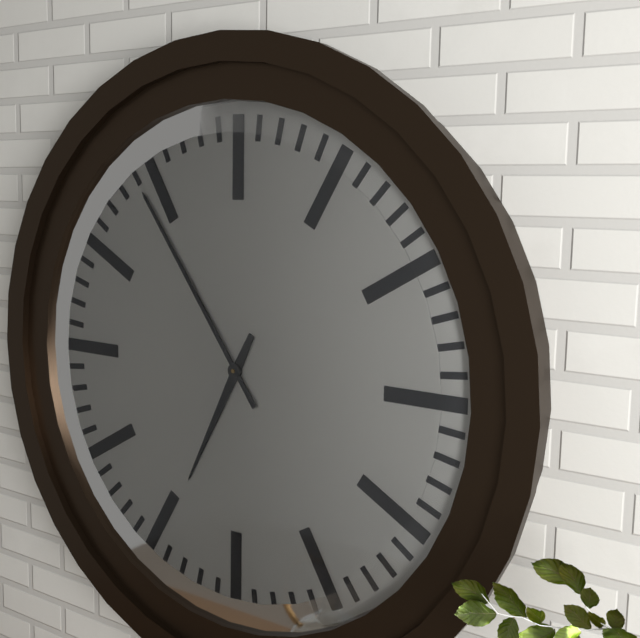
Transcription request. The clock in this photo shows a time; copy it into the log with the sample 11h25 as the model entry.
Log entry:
6h54
